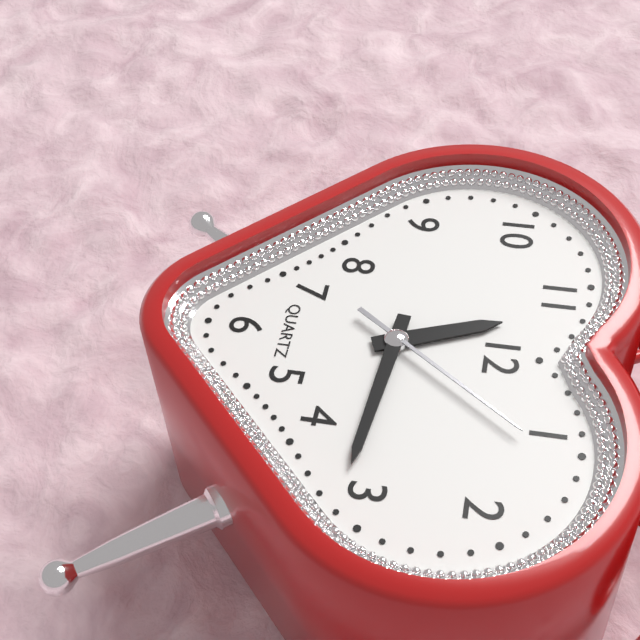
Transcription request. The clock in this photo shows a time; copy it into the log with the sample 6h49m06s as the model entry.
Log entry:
11h16m06s
